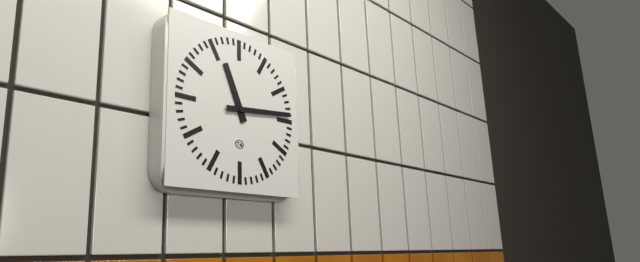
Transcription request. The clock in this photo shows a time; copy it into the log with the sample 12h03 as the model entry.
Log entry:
11h14
